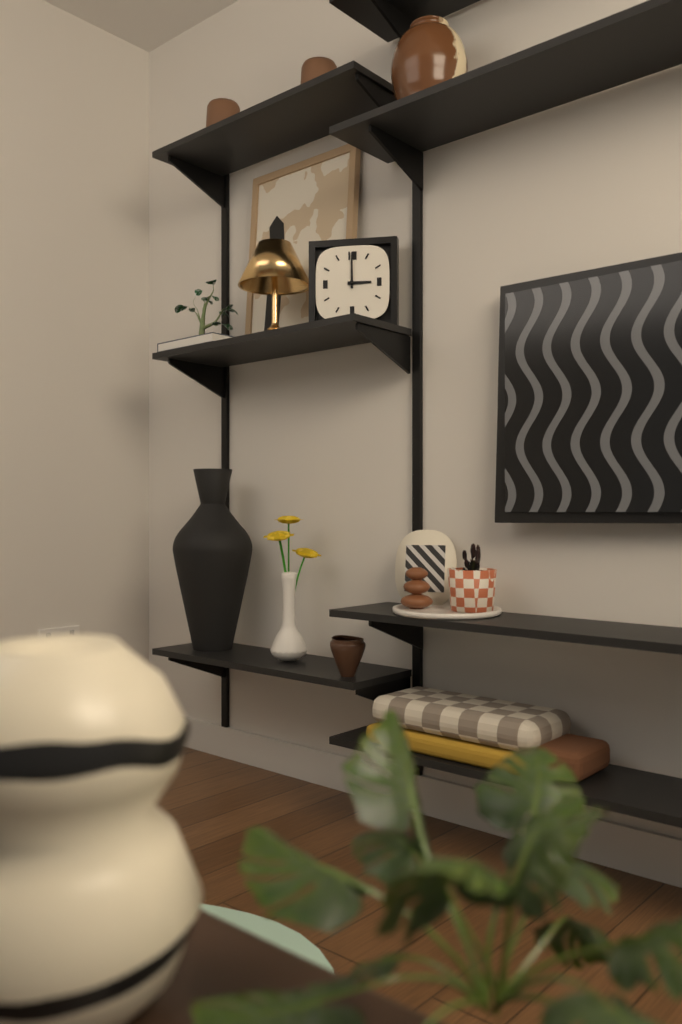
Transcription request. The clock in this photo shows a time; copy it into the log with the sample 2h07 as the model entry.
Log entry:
3h00
